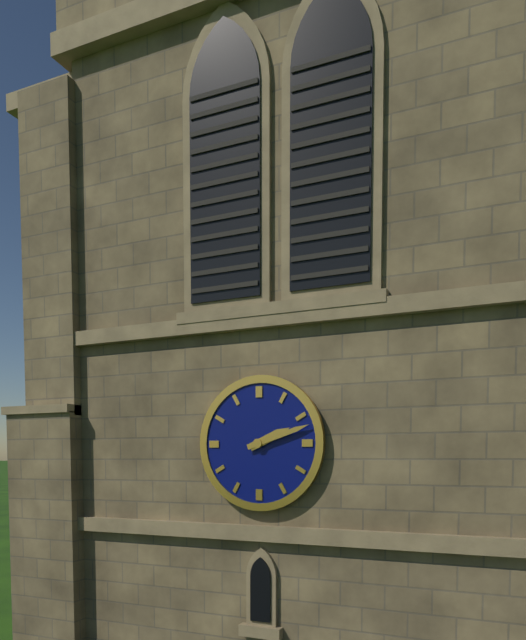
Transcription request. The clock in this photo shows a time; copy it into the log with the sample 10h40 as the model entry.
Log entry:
2h12
